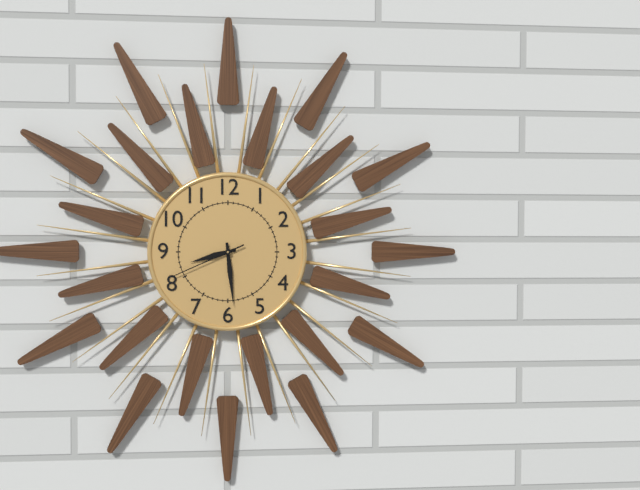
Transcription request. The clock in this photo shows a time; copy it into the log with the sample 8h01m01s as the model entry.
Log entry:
8h29m41s
